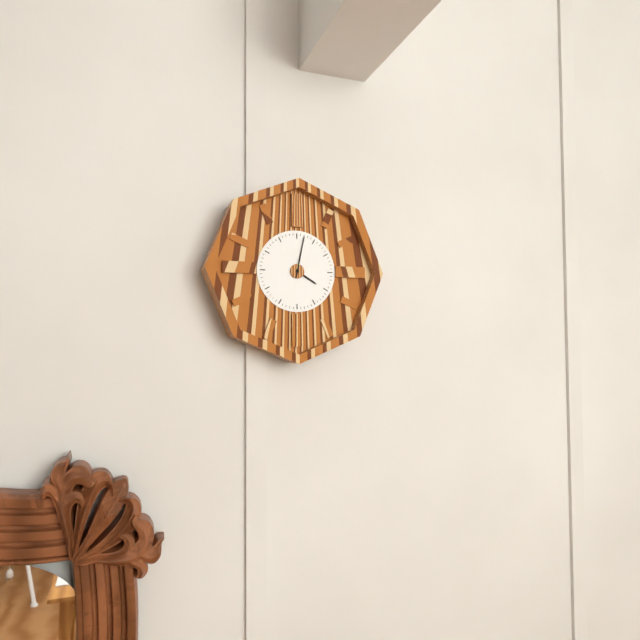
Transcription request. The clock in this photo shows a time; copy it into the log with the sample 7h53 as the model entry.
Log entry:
4h02
